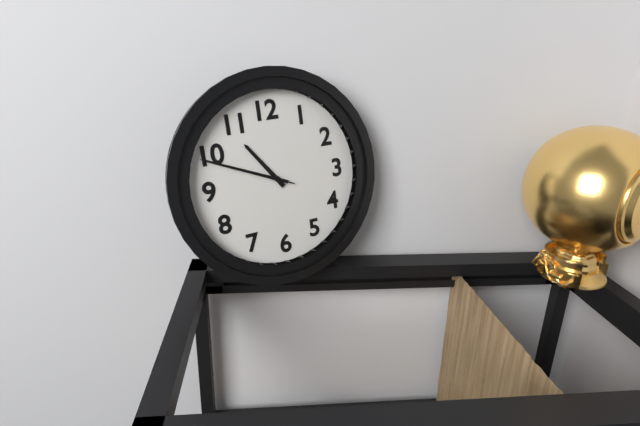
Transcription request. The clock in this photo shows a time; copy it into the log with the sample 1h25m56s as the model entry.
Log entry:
10h49m49s
